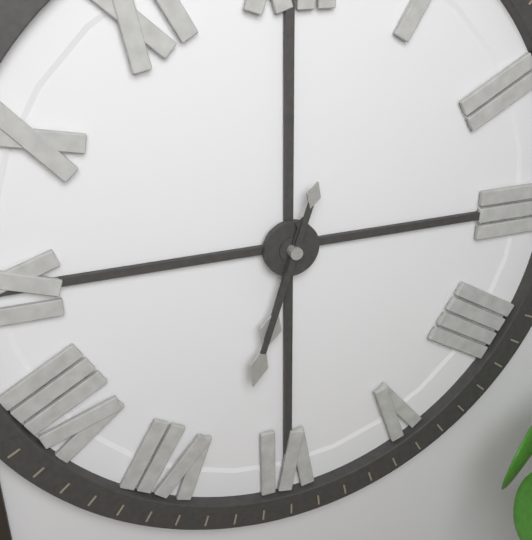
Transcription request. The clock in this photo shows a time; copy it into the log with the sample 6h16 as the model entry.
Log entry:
6h33
